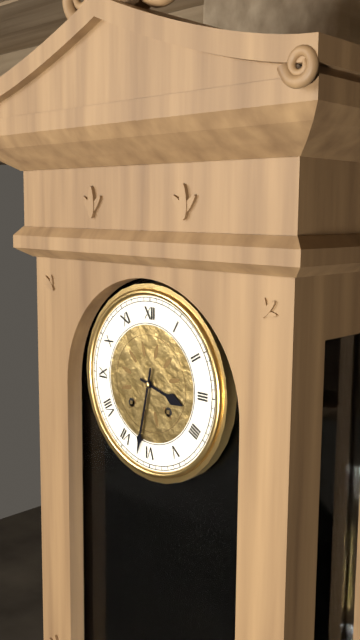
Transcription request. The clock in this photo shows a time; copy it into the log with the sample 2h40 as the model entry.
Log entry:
3h32
